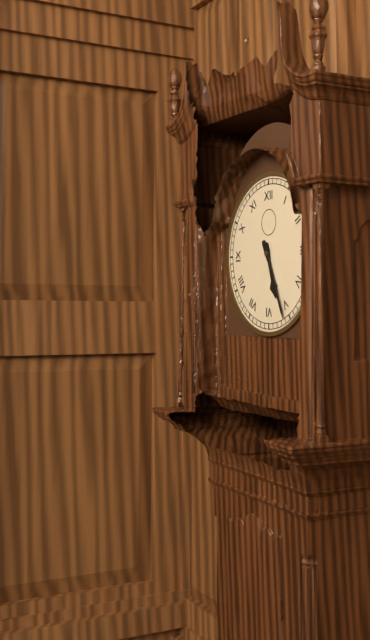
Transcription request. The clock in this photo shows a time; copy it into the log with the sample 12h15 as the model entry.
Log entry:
5h26
